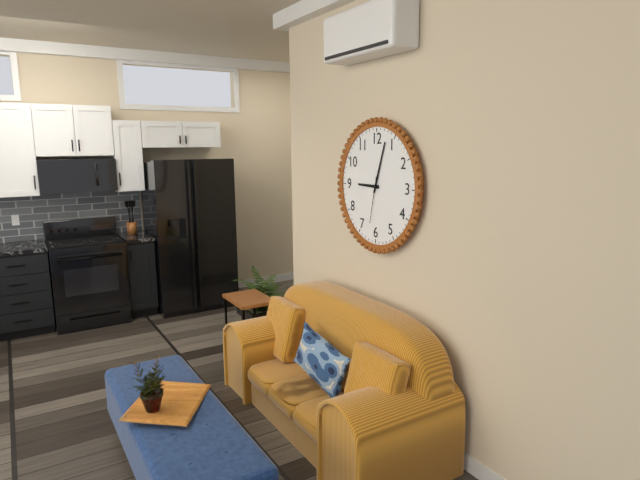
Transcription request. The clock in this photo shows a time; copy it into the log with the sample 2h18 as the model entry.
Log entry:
9h03
